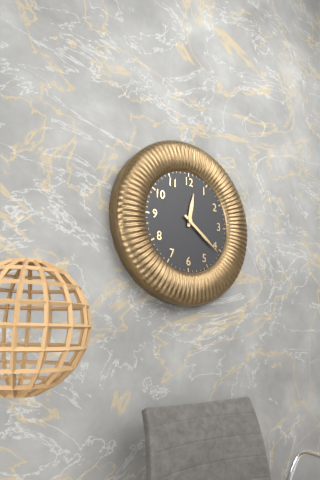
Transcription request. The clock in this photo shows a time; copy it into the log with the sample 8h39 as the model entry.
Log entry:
12h21
